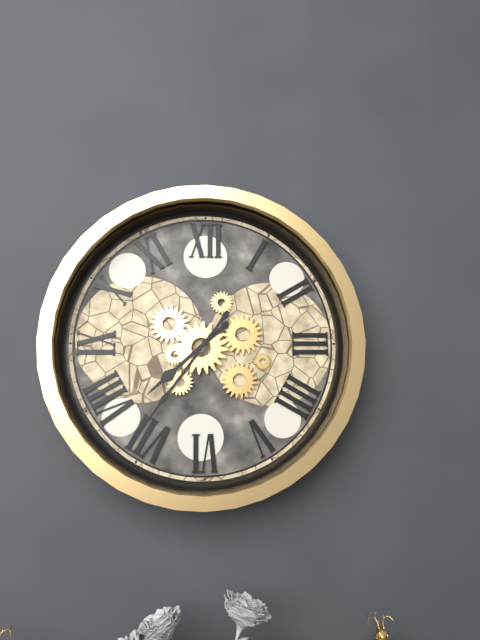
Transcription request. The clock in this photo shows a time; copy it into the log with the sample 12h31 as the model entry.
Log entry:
7h36
